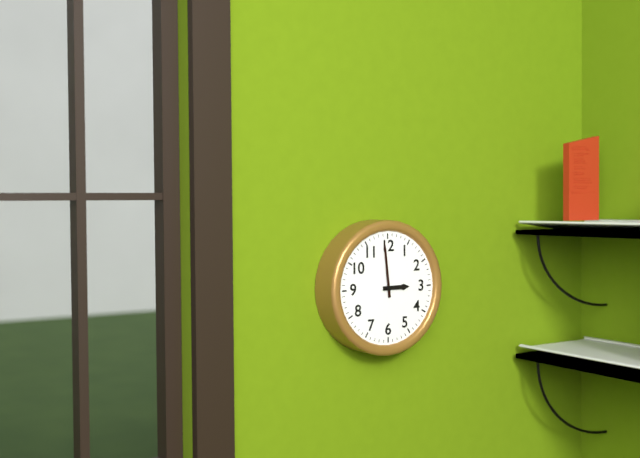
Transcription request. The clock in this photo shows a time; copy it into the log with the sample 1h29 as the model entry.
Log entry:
2h59
